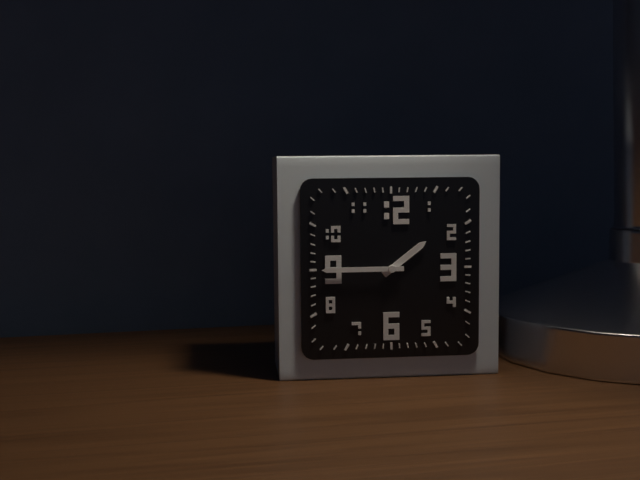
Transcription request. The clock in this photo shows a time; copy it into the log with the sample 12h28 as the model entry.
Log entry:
1h45
